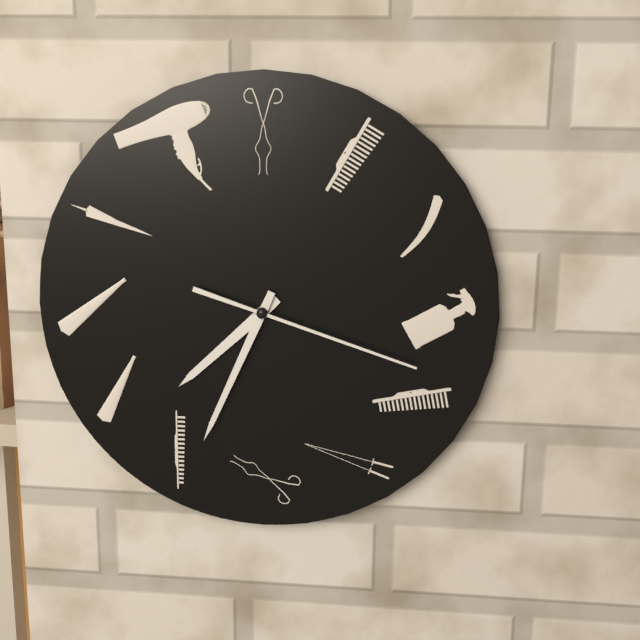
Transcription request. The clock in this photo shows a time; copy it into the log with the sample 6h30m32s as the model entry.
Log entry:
7h34m18s
